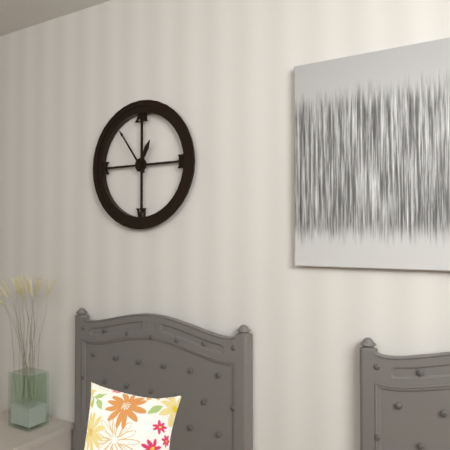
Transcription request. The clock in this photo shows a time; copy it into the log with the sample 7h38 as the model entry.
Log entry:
12h54
